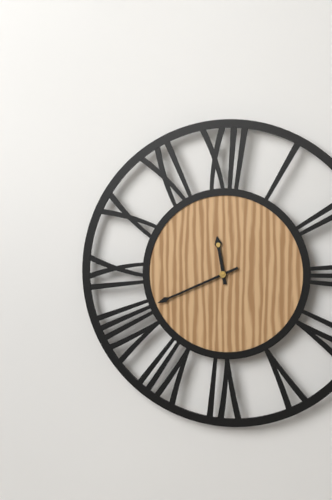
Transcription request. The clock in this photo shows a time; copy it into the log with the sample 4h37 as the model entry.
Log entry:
11h41
